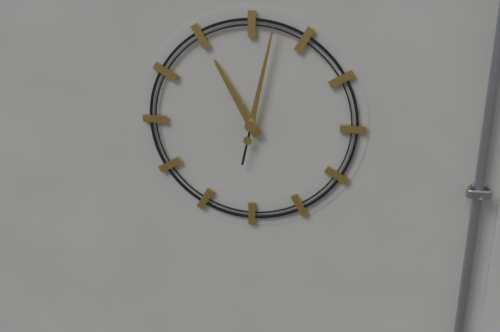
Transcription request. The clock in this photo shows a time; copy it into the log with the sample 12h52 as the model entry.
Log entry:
11h02
